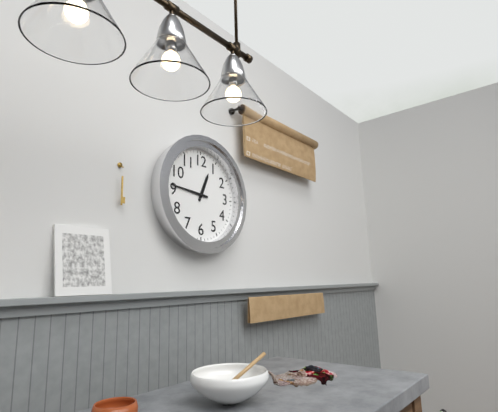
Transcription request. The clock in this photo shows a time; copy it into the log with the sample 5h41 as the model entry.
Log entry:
12h46
